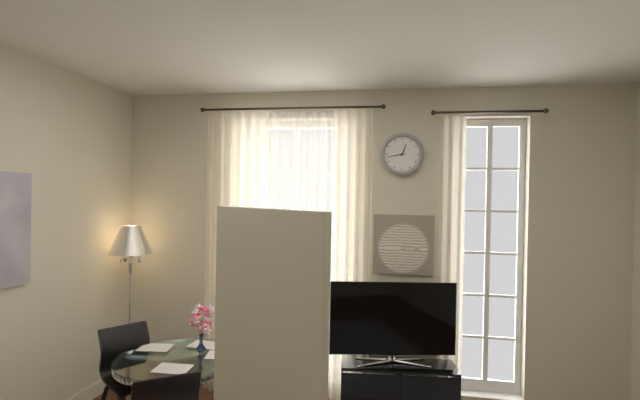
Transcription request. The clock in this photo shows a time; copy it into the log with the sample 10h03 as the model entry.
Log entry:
12h43
